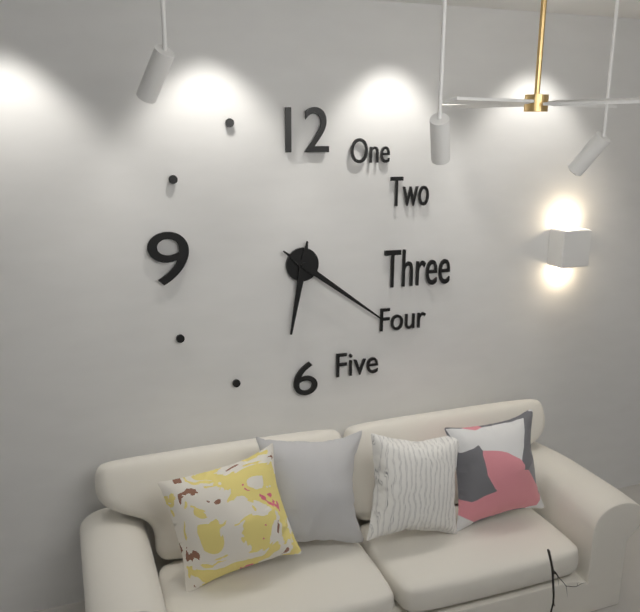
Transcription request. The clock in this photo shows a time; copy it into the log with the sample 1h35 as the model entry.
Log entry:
6h21
